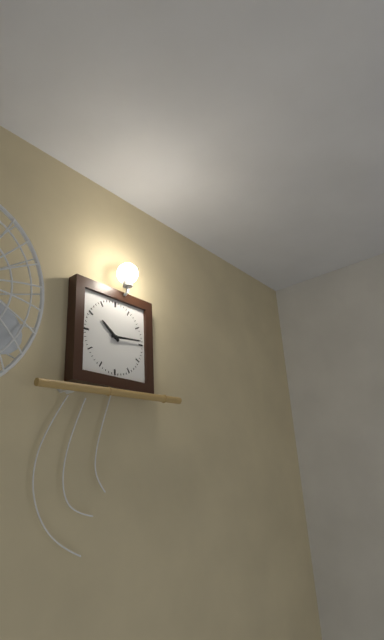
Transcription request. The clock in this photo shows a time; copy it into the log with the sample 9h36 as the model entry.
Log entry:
10h14
